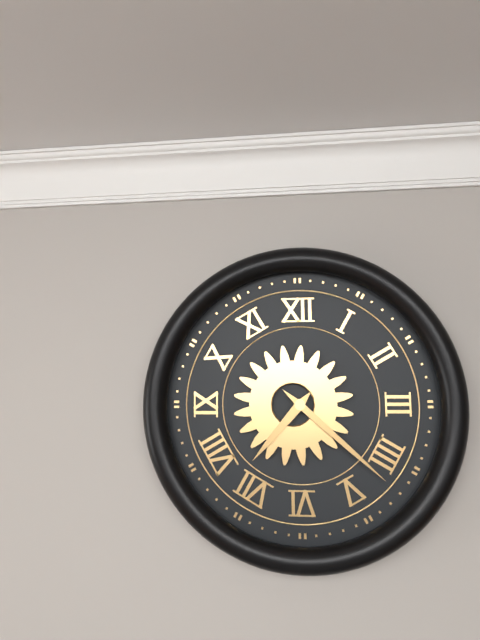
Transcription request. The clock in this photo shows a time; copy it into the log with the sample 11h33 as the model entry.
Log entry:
7h22
